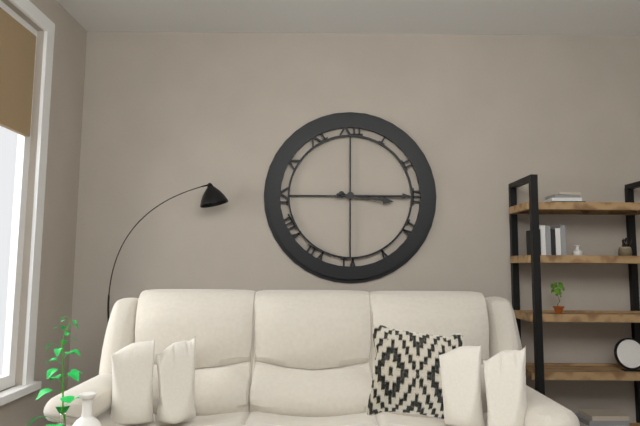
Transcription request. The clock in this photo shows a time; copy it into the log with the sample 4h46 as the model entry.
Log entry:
3h15
